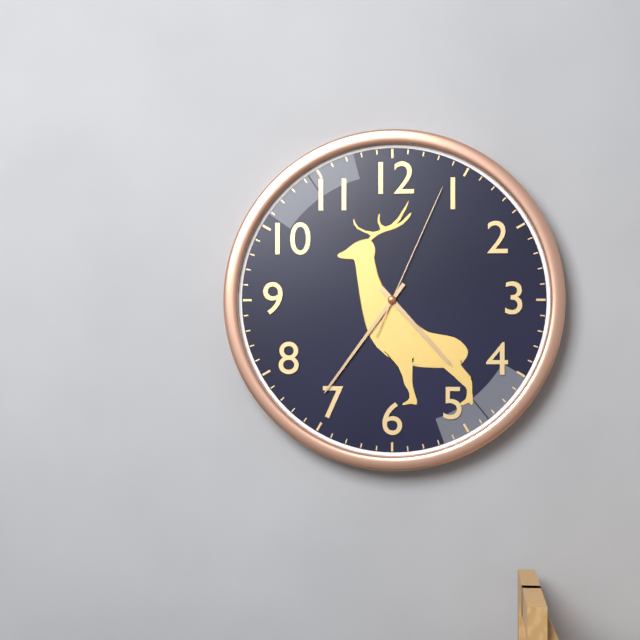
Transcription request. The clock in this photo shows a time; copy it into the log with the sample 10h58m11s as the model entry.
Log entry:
4h36m04s
